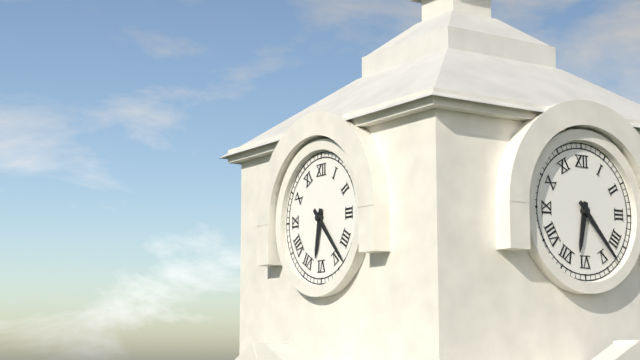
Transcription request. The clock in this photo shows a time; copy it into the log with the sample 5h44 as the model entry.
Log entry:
6h23
